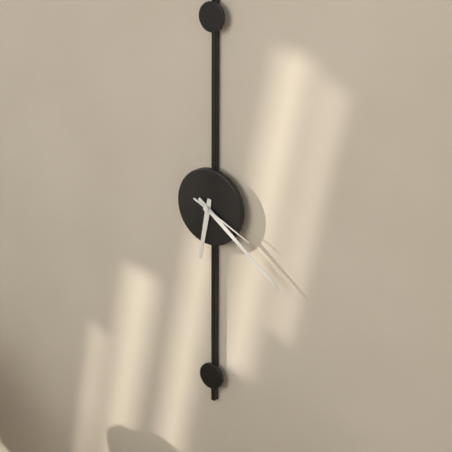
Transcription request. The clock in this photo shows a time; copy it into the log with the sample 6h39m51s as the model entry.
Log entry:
6h21m19s
